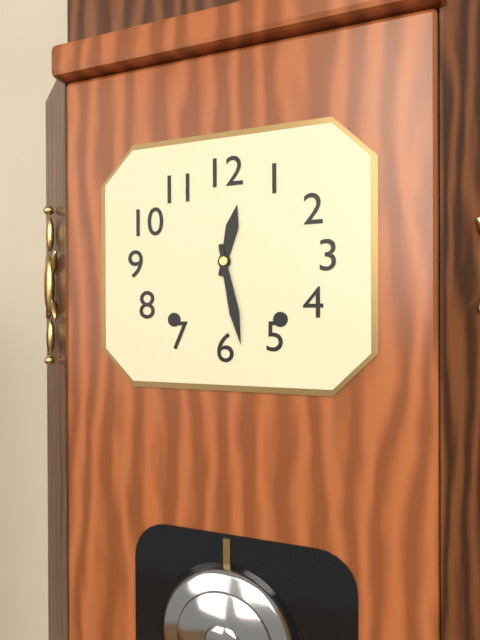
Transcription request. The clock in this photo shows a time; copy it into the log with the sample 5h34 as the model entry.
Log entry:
12h28
